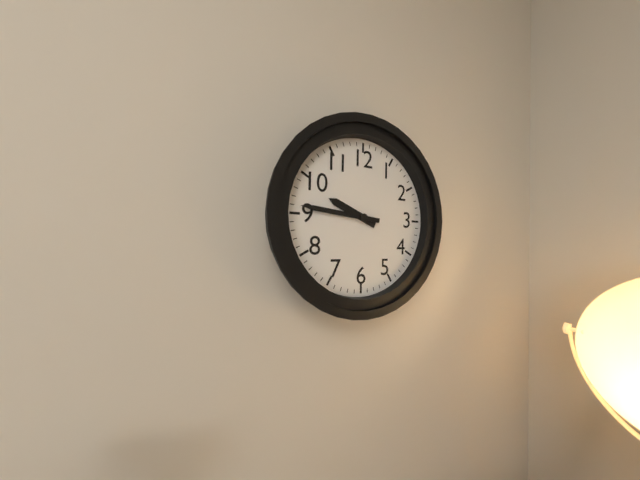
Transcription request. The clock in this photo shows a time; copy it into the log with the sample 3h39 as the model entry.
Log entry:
9h46
